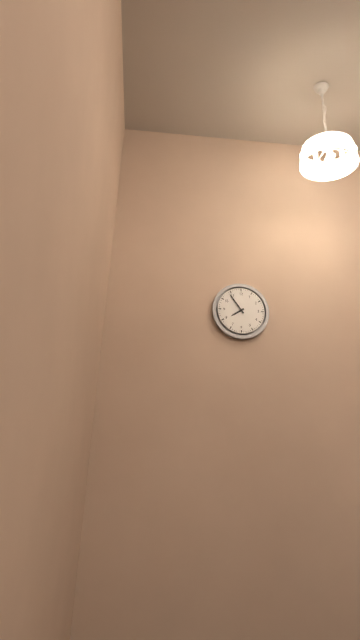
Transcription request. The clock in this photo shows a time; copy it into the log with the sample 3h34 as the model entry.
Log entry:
7h54
